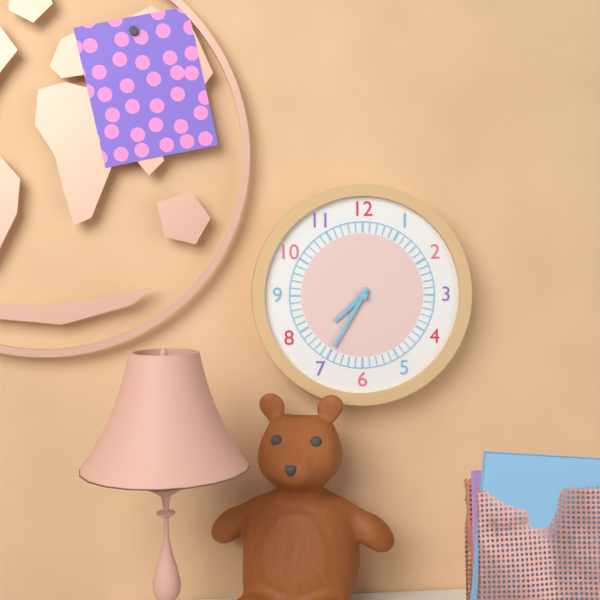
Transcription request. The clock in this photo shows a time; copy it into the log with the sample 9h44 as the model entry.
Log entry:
7h35
